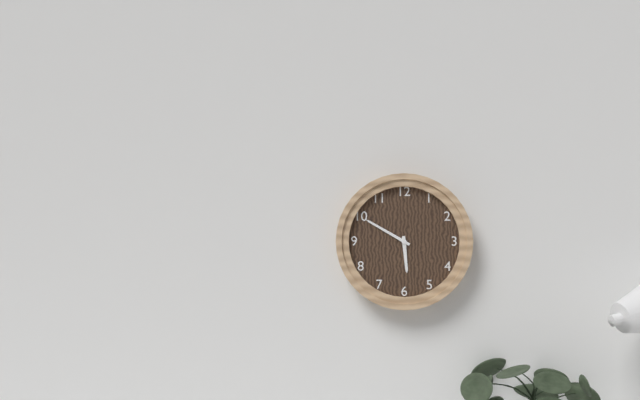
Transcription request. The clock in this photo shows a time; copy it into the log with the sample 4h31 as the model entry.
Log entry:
5h50
